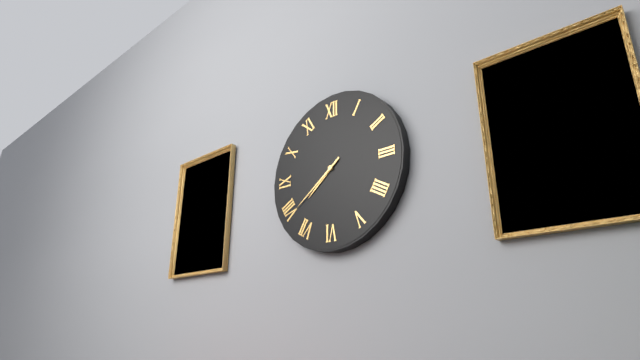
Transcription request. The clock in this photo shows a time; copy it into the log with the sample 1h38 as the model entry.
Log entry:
7h39
